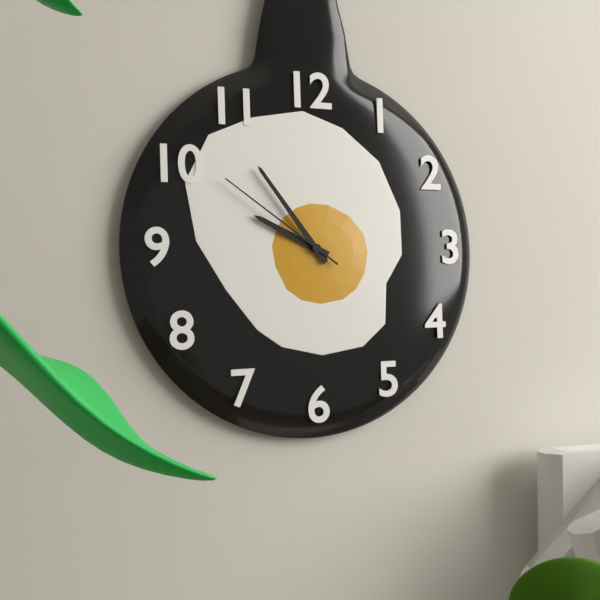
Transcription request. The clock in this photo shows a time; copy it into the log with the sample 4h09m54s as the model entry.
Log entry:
9h54m51s
